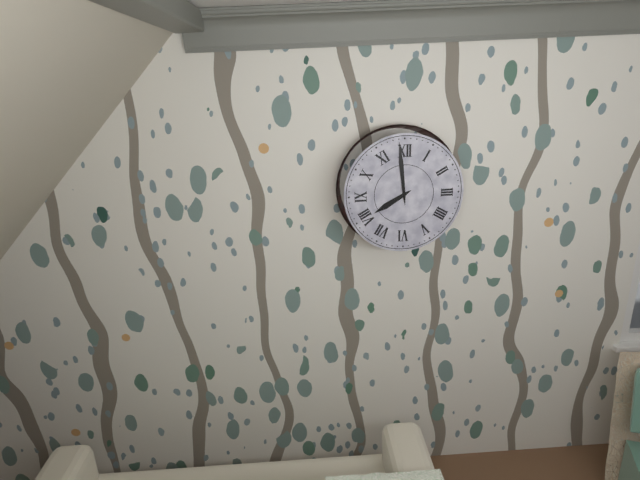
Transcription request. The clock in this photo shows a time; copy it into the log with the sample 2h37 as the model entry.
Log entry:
7h59
